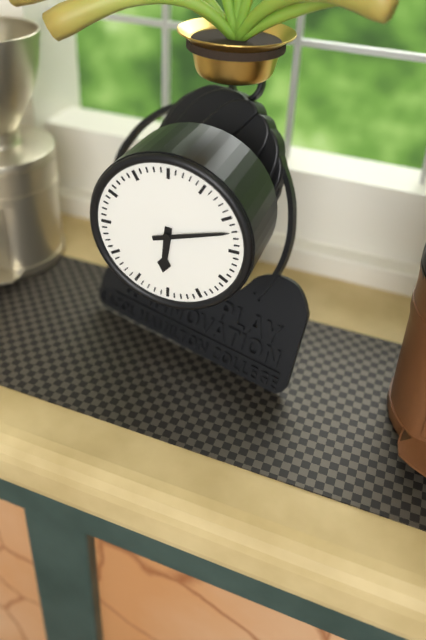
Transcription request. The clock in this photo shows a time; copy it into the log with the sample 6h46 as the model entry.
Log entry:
6h12
